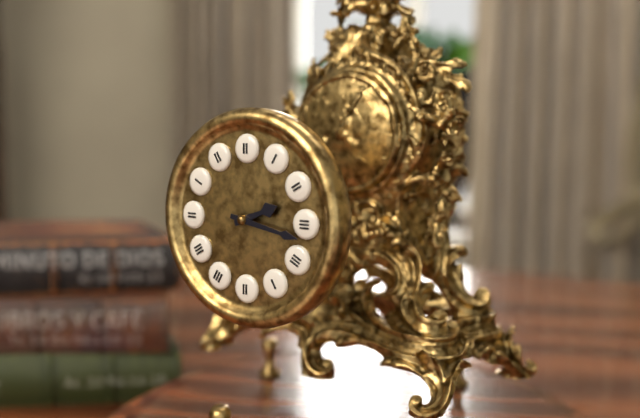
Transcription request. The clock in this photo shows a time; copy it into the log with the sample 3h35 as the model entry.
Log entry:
2h17
